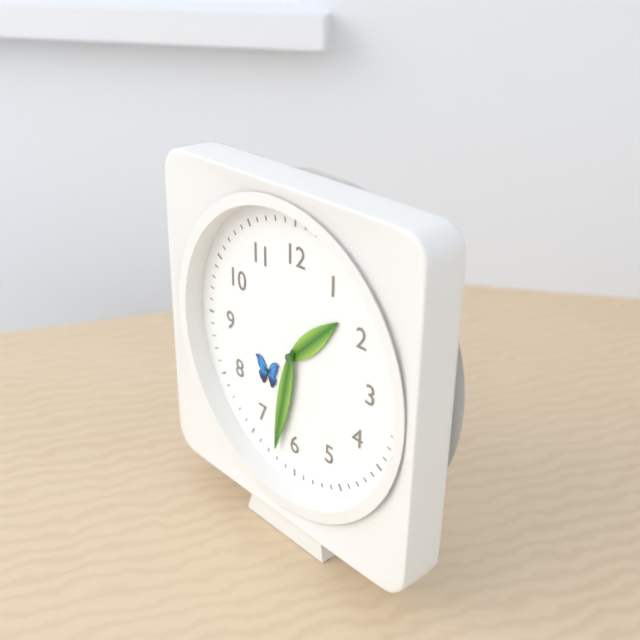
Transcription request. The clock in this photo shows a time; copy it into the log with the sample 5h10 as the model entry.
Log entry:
1h32
